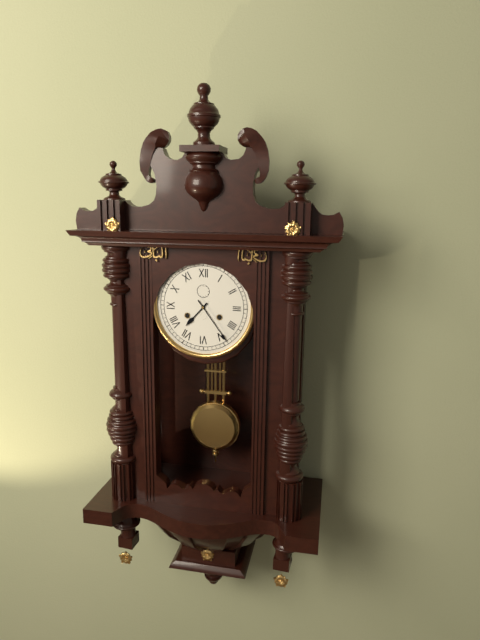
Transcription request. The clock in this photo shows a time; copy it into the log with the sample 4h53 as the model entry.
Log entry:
7h24
